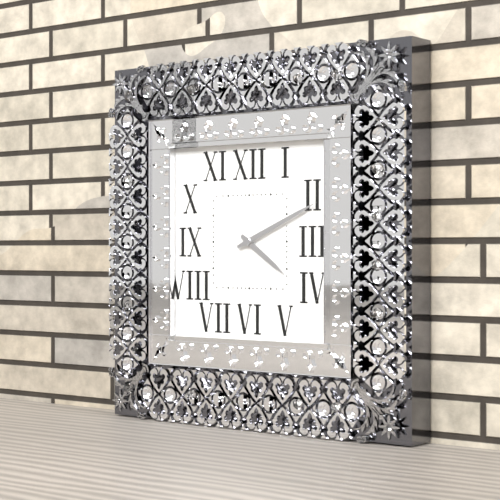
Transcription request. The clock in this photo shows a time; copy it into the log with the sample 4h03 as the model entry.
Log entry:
4h11
